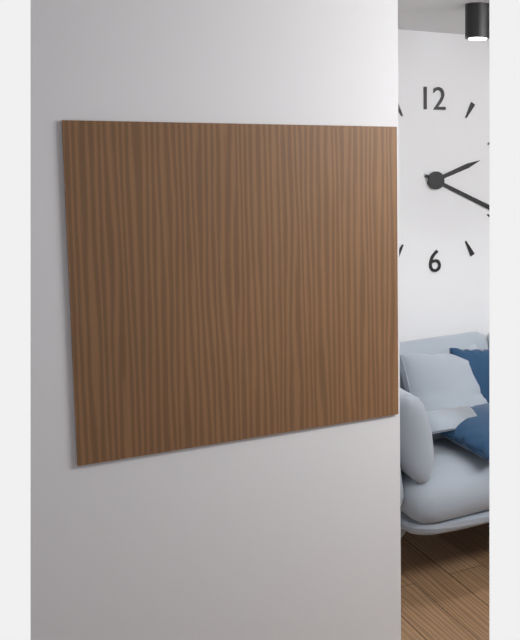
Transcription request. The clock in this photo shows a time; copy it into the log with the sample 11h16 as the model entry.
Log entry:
2h19
